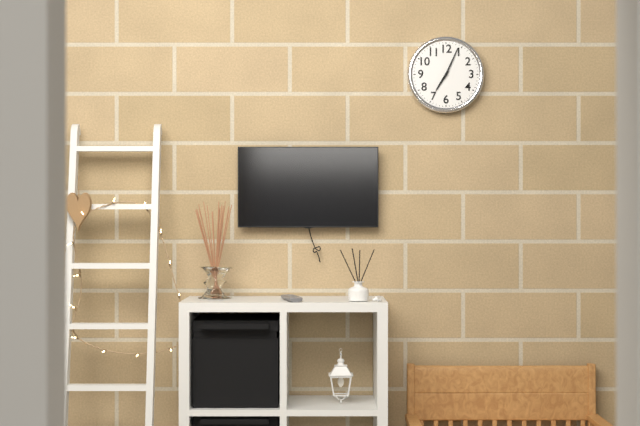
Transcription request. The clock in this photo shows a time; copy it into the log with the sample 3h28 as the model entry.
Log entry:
7h04
